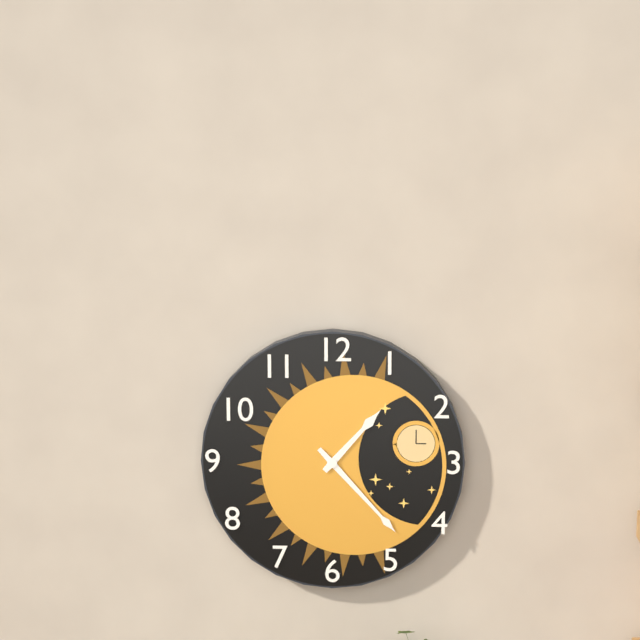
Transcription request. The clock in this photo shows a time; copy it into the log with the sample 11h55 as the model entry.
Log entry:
1h23
